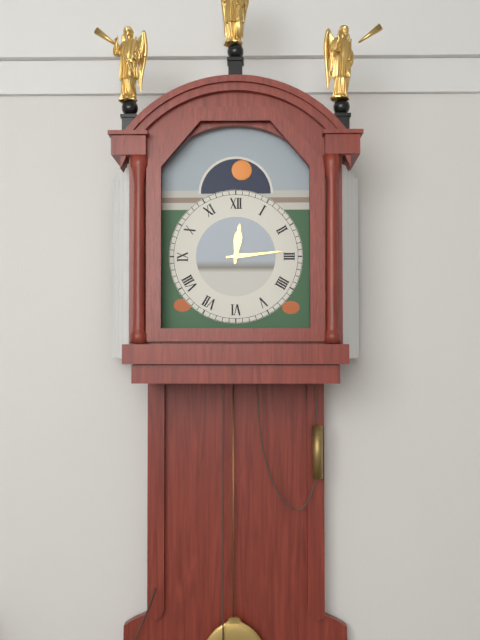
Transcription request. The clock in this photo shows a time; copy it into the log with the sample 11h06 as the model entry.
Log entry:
12h14
